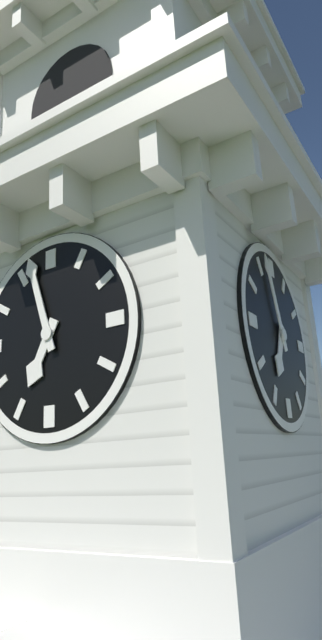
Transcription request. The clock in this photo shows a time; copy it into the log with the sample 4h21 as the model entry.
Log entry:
6h57
